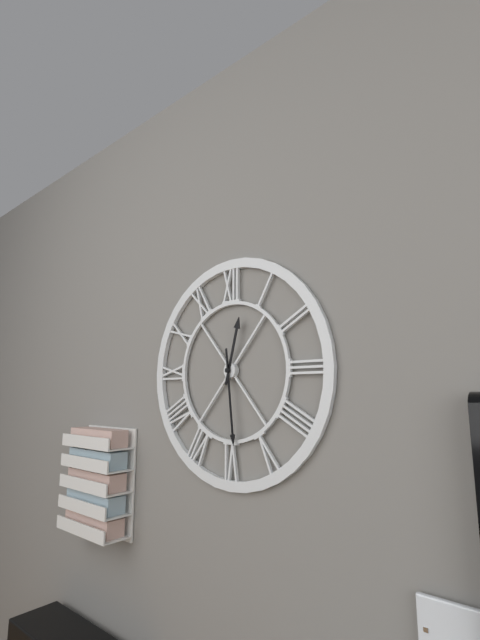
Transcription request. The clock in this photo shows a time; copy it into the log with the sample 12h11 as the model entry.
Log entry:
12h29
